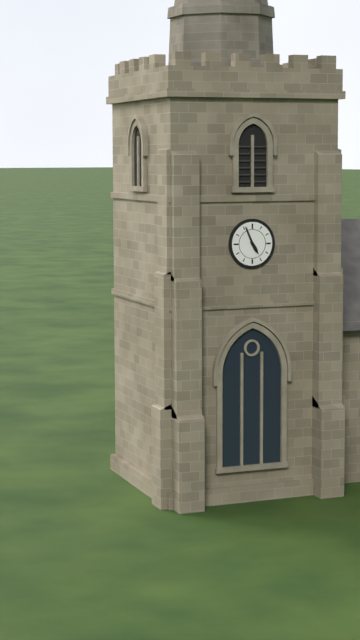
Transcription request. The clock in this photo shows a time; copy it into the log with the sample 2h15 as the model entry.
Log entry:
4h56
